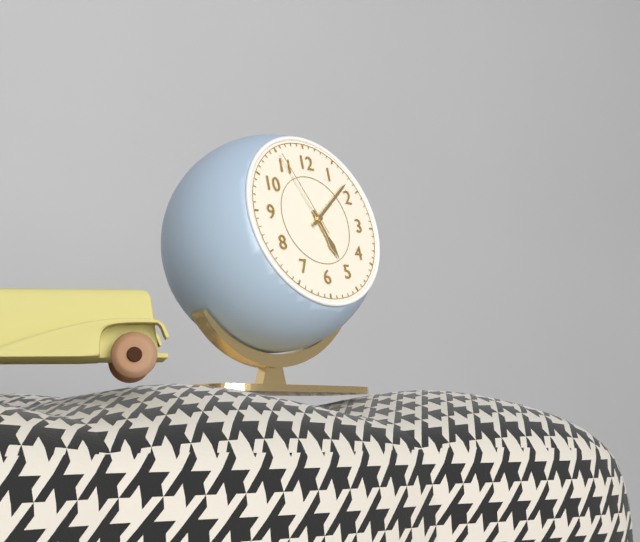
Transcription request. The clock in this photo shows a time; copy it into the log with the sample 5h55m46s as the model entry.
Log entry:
5h08m55s
